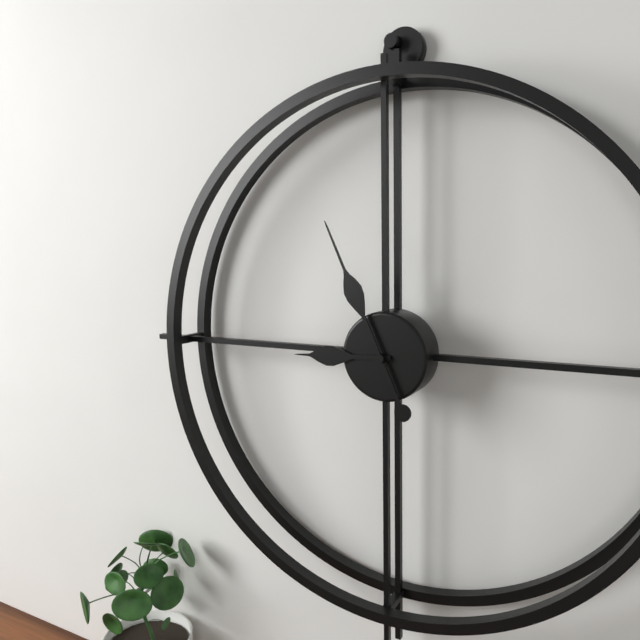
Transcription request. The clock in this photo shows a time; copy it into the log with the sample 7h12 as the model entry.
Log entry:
8h56
